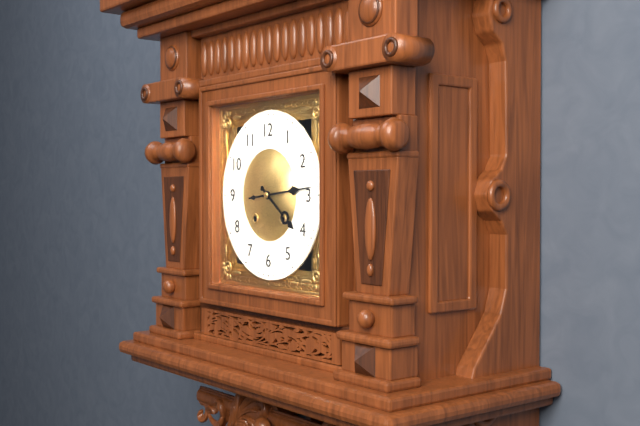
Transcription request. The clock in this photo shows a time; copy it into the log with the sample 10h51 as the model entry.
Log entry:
4h14
